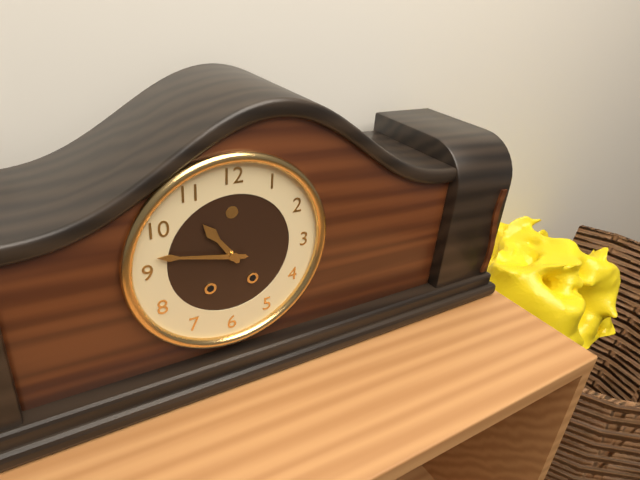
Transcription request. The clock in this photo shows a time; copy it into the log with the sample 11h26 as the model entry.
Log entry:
10h47
